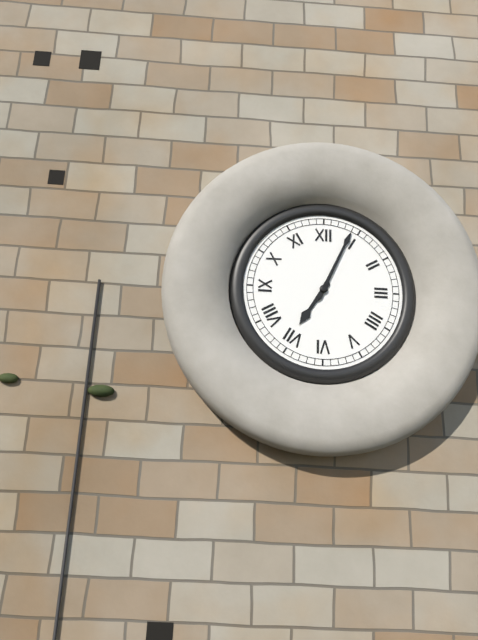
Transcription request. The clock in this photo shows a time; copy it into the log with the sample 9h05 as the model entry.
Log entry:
7h04
